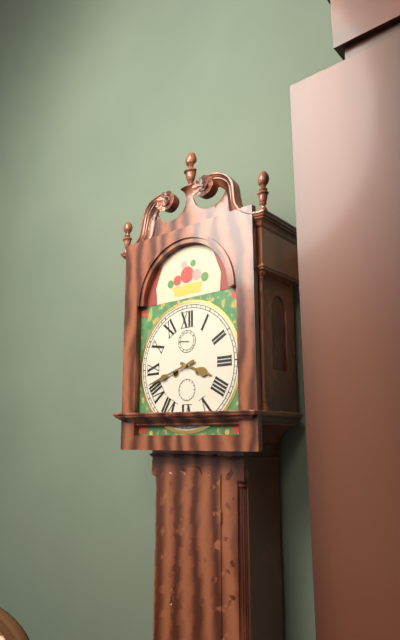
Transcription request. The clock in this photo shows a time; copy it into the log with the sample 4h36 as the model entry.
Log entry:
3h42
